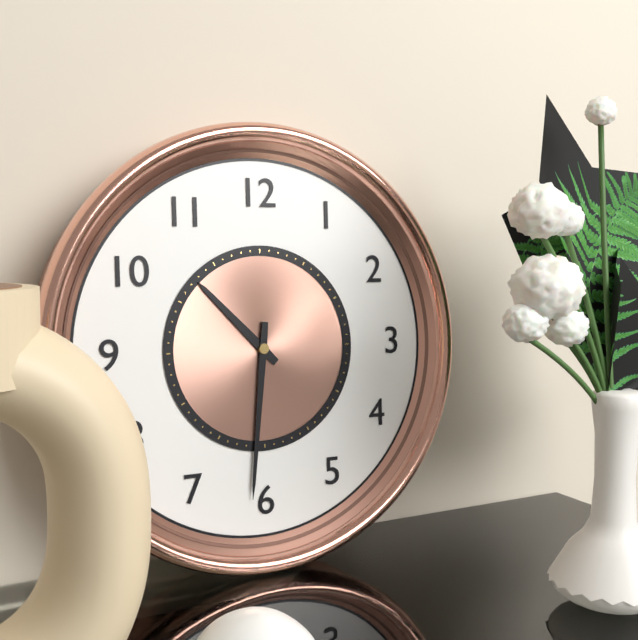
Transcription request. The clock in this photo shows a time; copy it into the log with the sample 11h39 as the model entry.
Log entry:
10h31
